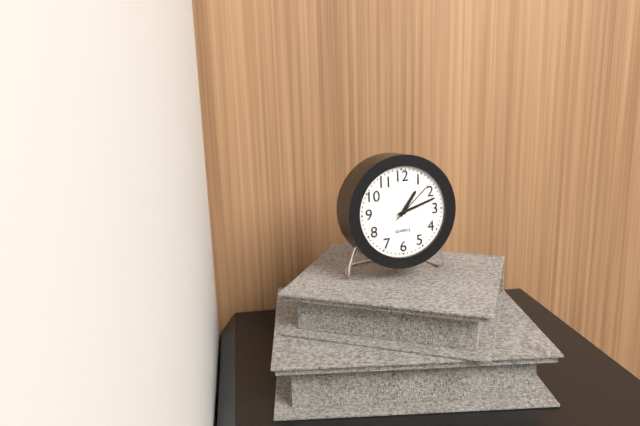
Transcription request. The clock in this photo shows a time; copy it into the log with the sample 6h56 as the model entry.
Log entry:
1h12
